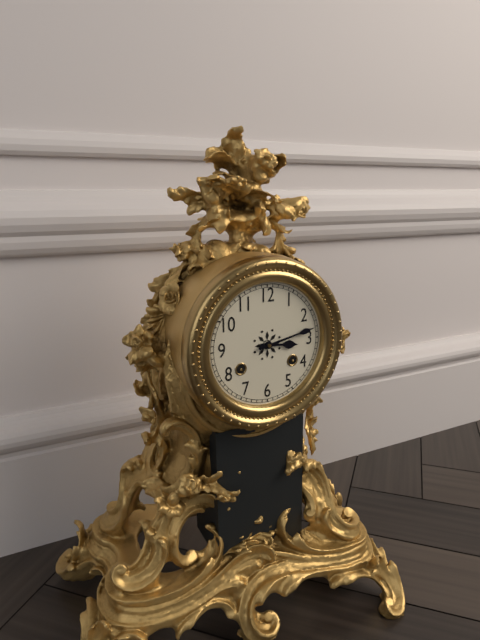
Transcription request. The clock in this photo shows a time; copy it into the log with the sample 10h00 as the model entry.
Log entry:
3h13
